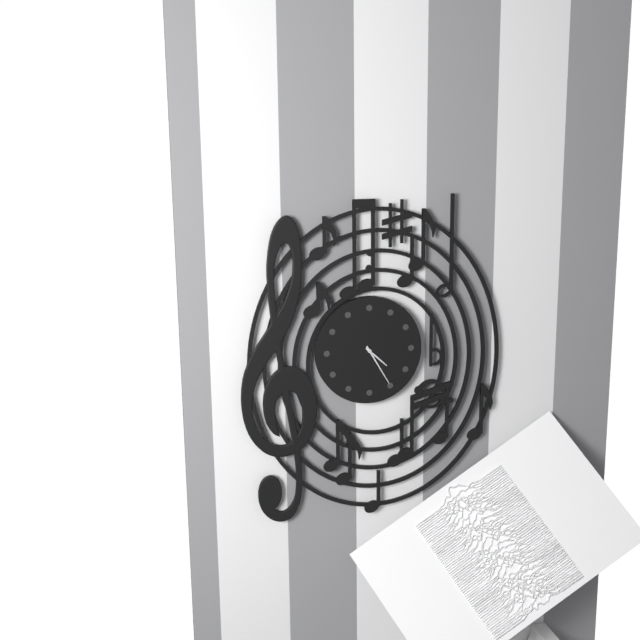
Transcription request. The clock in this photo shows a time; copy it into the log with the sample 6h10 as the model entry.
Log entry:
4h25
